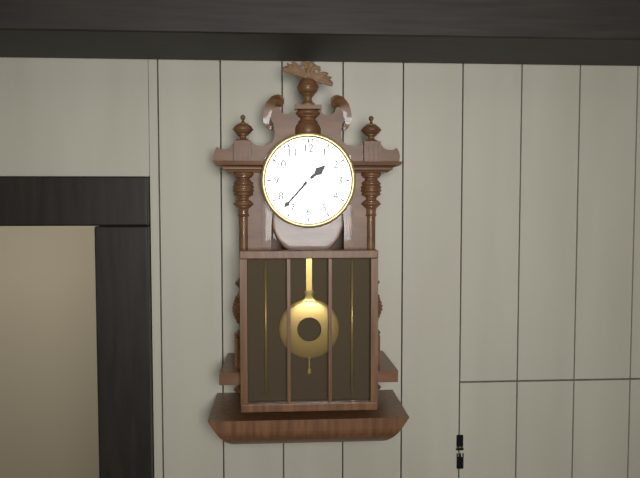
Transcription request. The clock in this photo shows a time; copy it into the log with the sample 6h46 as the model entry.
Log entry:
1h37
